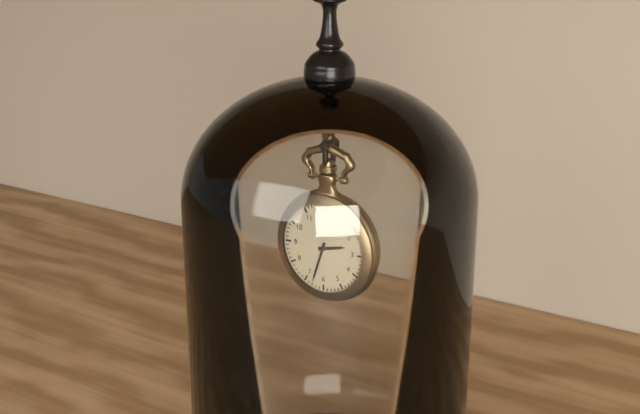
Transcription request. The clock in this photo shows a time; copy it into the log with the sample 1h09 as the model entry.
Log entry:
2h33
